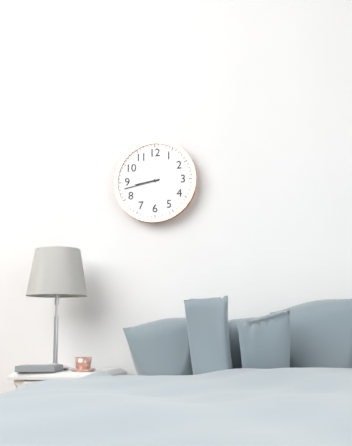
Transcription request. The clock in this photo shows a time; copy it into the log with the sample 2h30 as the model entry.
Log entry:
8h43
